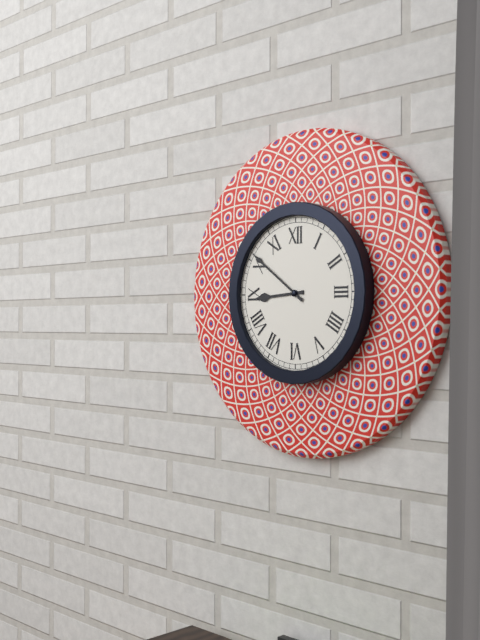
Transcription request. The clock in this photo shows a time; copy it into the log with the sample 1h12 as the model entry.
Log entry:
8h51
